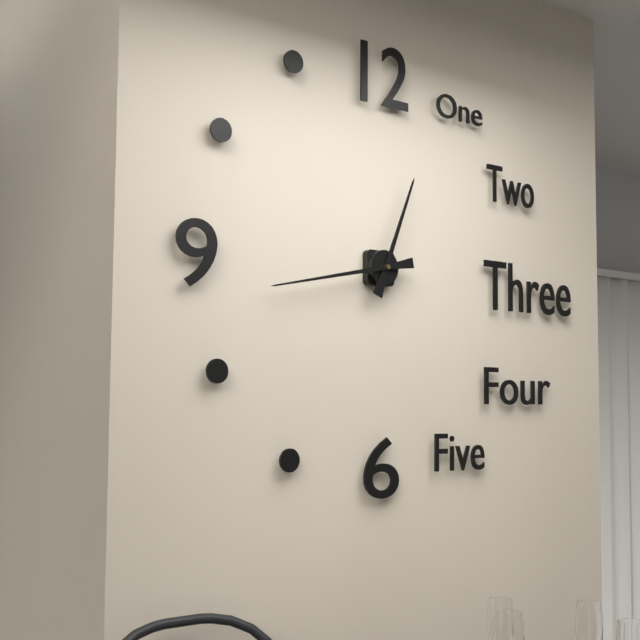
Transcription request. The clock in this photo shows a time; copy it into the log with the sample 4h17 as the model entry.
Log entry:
12h43
